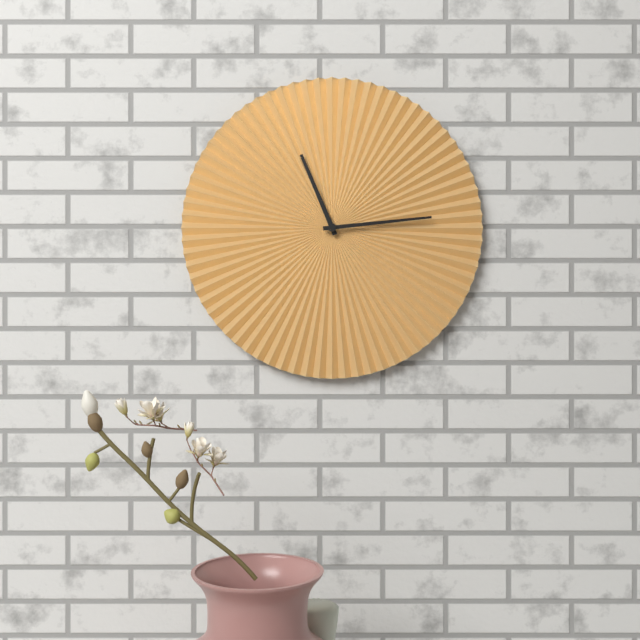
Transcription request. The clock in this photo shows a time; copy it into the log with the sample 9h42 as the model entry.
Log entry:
11h14
